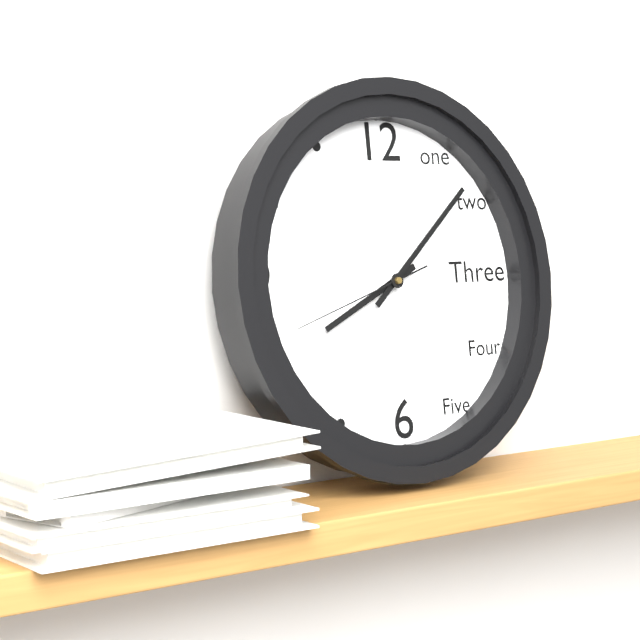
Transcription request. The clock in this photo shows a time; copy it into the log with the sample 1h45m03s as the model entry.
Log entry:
8h08m42s
